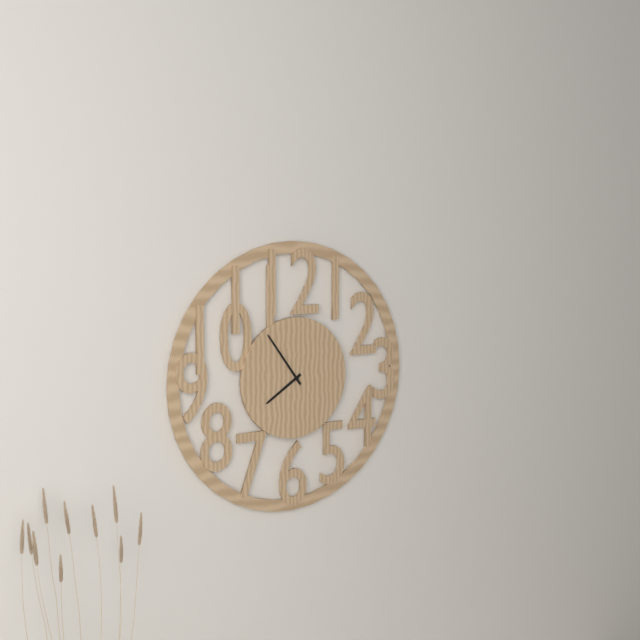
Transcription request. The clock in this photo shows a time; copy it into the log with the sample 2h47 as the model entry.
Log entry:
7h54
